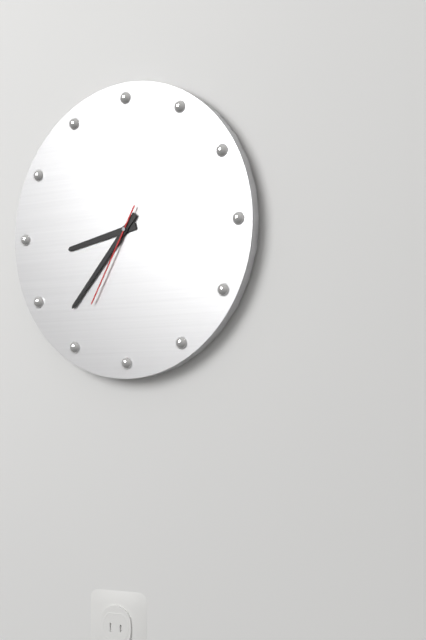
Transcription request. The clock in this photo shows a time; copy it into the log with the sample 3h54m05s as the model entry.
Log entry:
8h37m35s
